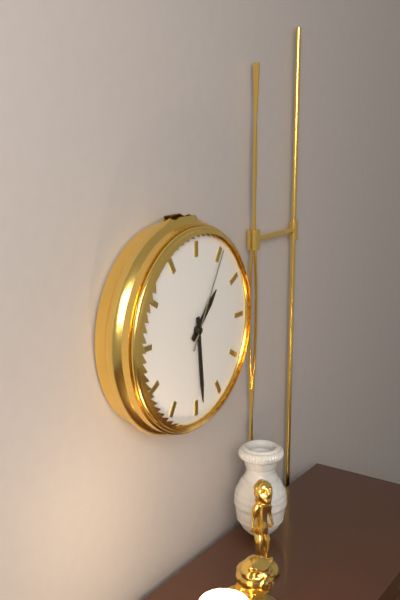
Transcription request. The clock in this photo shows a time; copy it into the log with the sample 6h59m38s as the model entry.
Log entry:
1h29m05s
